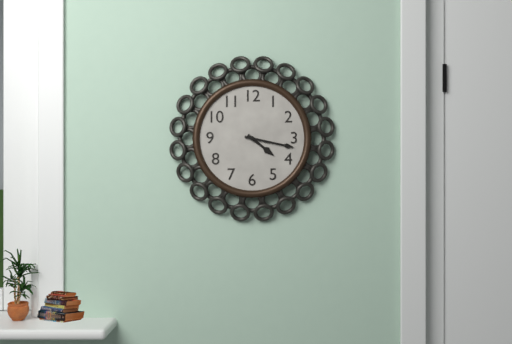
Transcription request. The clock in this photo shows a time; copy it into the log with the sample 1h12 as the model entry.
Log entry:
4h17
